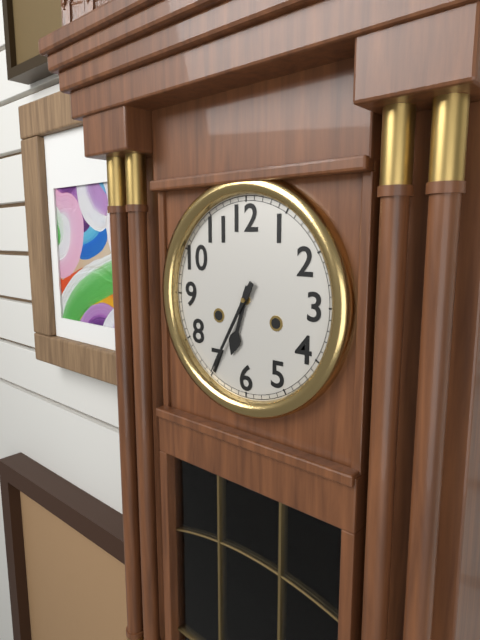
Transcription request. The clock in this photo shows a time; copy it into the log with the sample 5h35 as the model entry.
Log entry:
6h35
